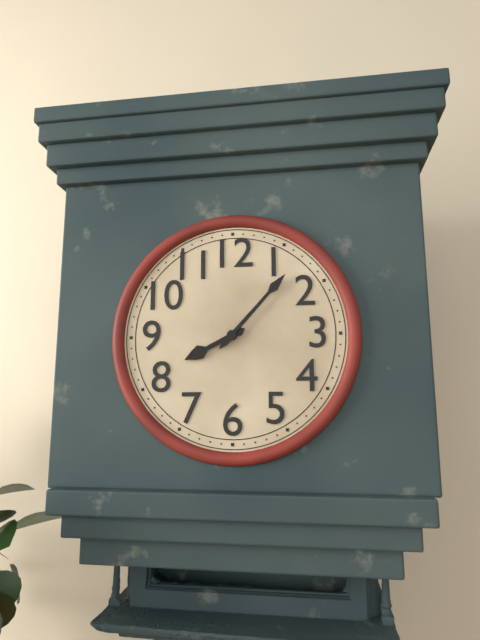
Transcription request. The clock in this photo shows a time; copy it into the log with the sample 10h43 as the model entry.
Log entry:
8h07
